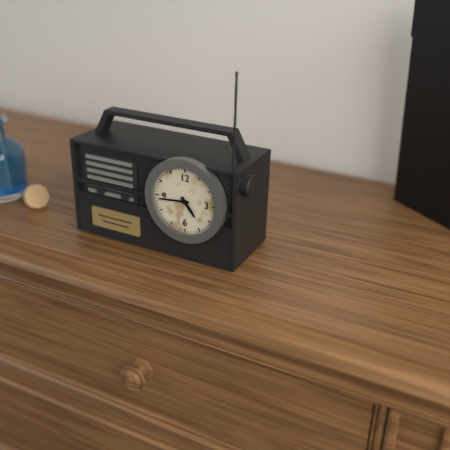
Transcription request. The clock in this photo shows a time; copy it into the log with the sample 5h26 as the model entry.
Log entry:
4h44
